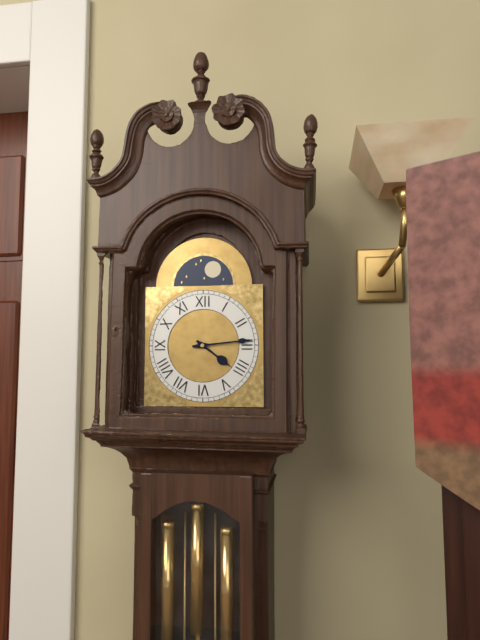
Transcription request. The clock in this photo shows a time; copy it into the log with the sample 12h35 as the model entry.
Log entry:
4h14
